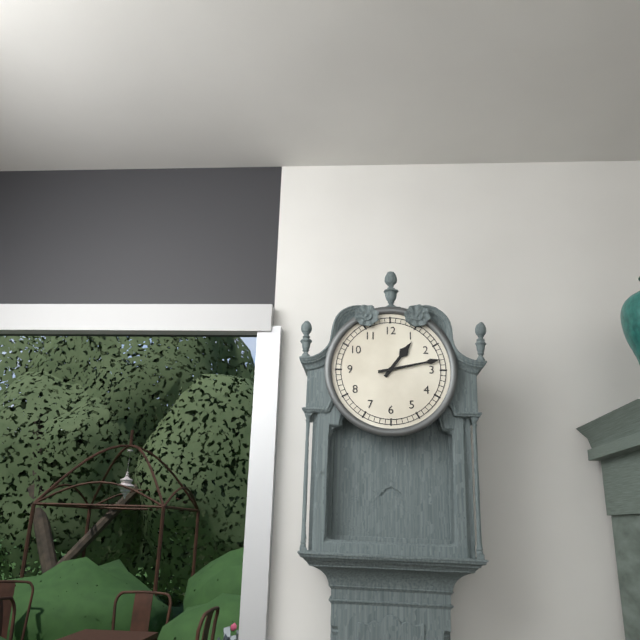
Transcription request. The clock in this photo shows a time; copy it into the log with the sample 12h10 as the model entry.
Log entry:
1h13
